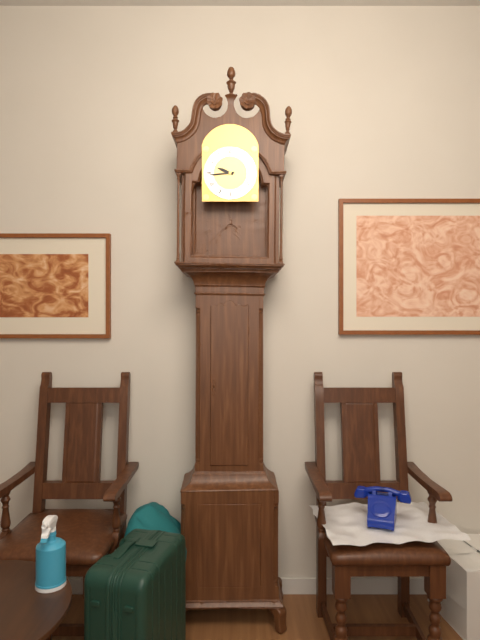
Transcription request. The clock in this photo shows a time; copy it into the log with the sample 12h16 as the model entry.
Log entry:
9h44
